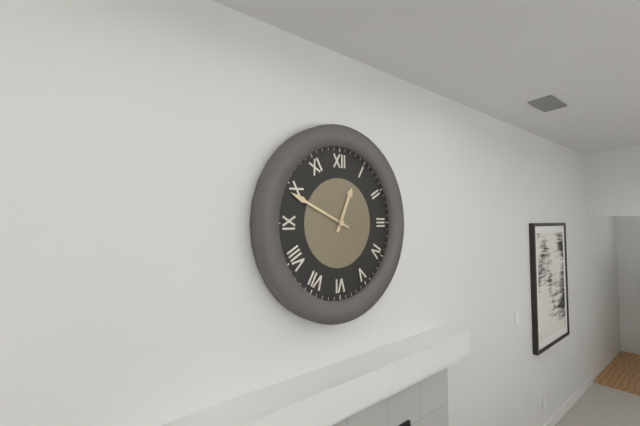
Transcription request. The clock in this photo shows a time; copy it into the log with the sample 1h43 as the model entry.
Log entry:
12h49
